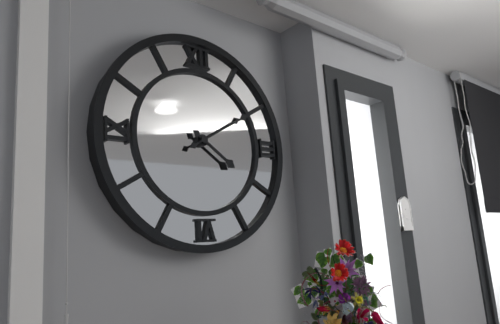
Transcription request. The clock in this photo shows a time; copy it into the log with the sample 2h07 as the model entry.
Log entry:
4h10
